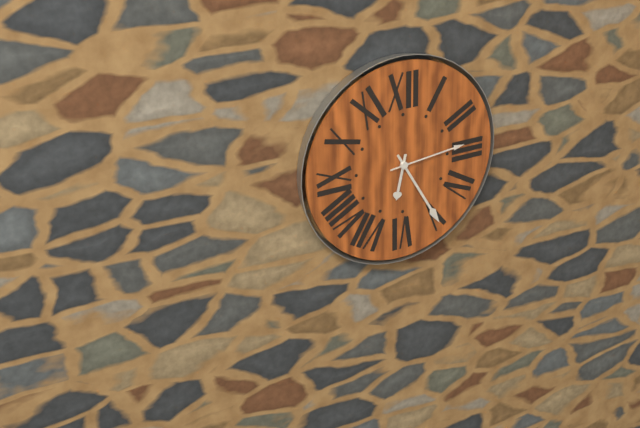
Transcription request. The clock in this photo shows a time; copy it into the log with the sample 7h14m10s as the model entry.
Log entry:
6h25m14s
